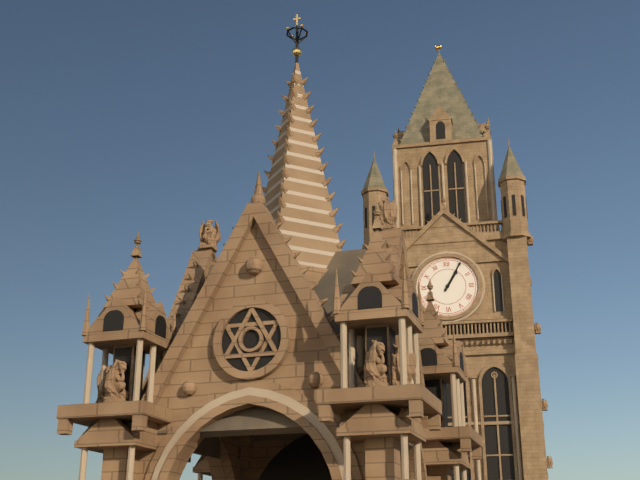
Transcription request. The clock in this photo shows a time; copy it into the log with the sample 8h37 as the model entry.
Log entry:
1h05
